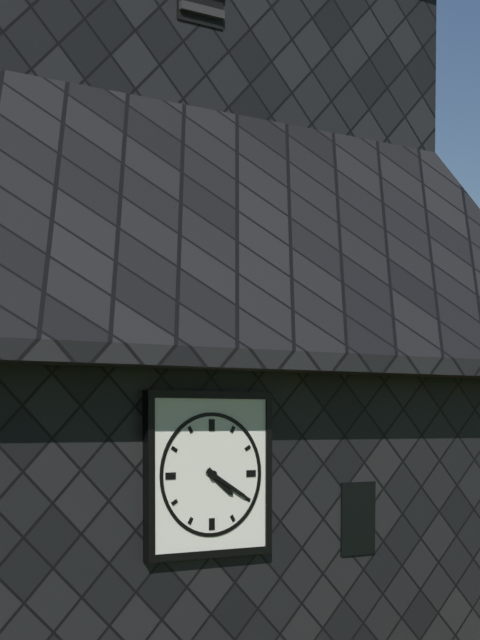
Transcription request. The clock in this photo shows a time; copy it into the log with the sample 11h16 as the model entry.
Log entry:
4h20
